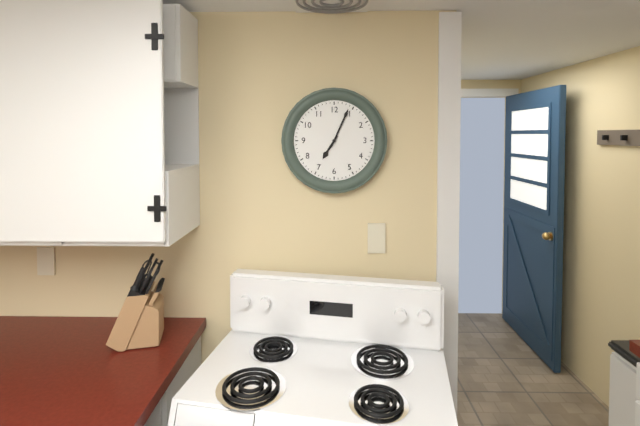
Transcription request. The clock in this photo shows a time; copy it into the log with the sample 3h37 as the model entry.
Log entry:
7h04
